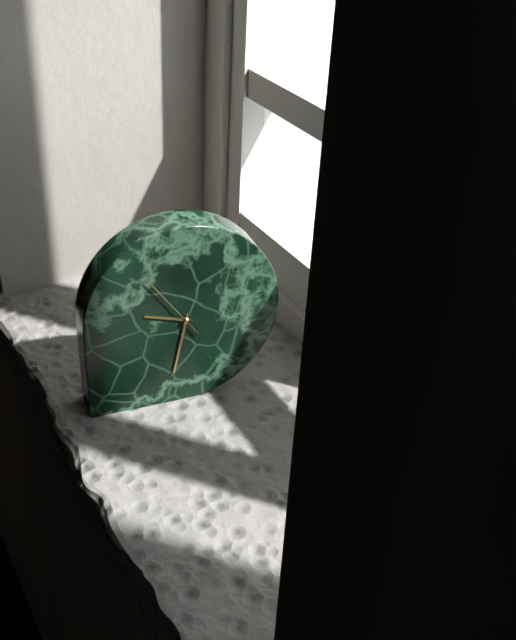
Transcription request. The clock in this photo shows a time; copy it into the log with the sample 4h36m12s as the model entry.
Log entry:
9h32m54s
